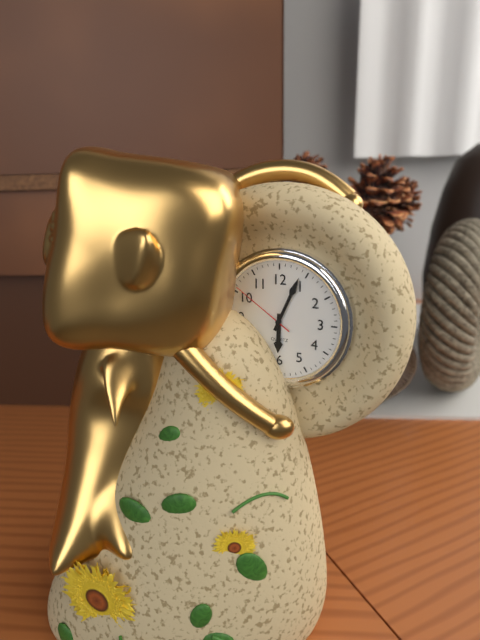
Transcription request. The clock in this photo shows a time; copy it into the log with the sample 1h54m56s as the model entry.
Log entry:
6h04m51s
